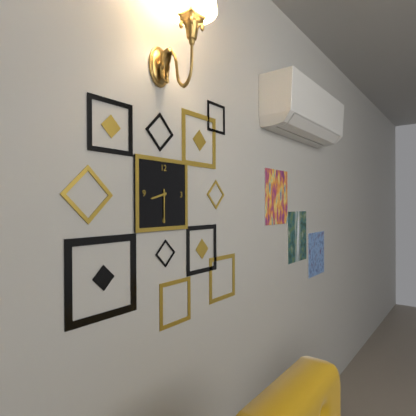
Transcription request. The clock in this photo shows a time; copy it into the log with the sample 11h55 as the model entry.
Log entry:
8h30
